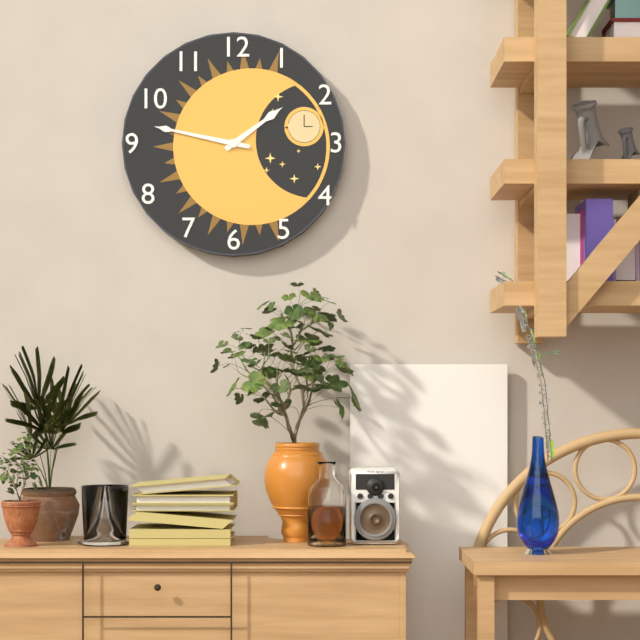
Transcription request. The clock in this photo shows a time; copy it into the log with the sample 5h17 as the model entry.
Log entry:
1h47
